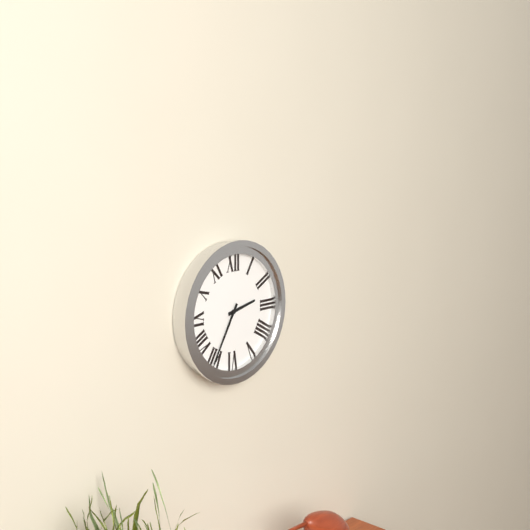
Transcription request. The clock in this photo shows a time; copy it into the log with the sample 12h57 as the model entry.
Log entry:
2h35
